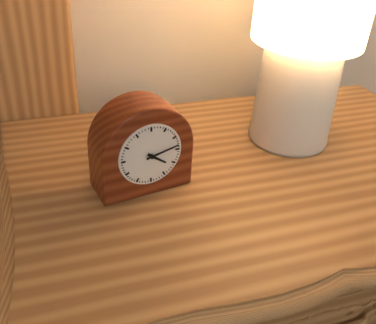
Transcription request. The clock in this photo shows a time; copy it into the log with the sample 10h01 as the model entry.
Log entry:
4h13
